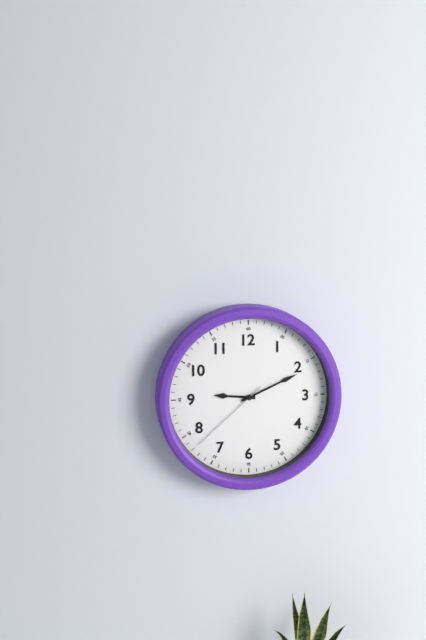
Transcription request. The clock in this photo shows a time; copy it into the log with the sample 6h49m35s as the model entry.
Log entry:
9h11m38s
